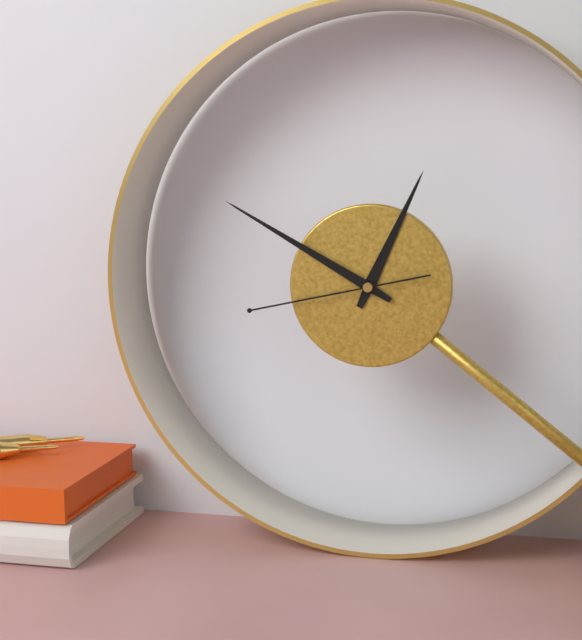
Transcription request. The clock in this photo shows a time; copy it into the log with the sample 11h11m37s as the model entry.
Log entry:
12h50m43s
